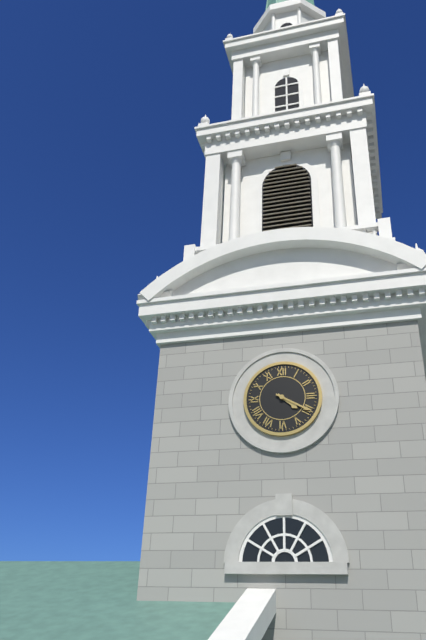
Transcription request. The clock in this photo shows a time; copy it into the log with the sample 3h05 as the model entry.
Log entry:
4h20
